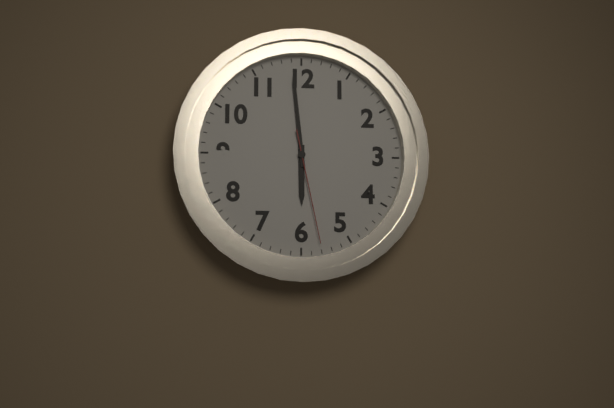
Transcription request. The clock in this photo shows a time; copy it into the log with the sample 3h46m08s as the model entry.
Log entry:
5h59m28s
